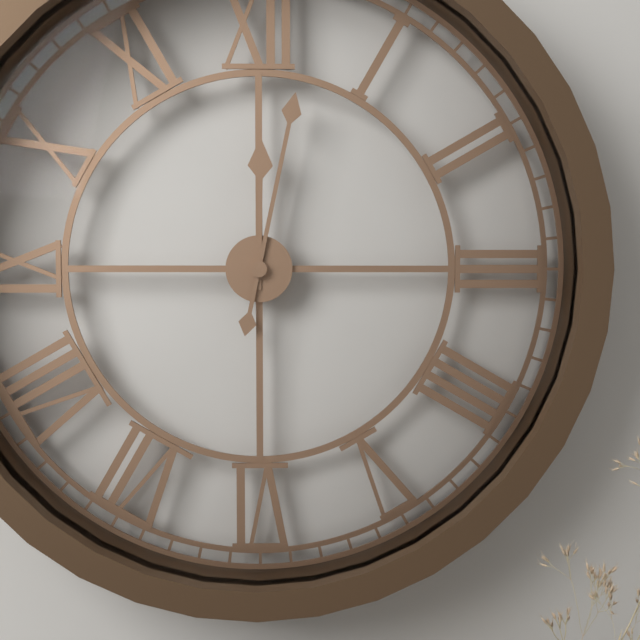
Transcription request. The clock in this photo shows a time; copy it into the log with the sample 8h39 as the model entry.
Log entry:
12h02
